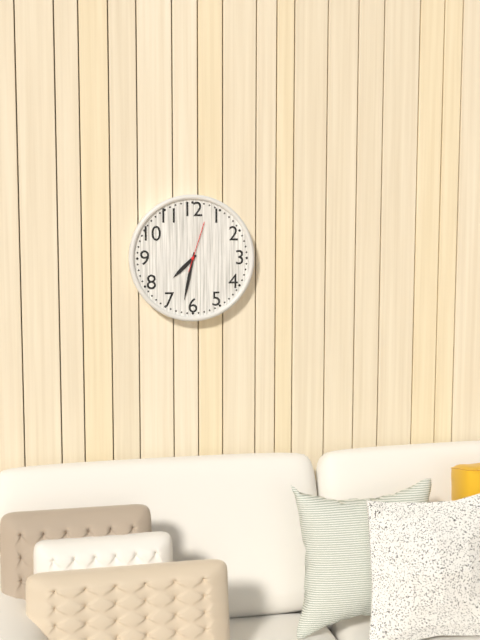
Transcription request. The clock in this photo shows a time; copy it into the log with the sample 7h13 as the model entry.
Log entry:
7h32
